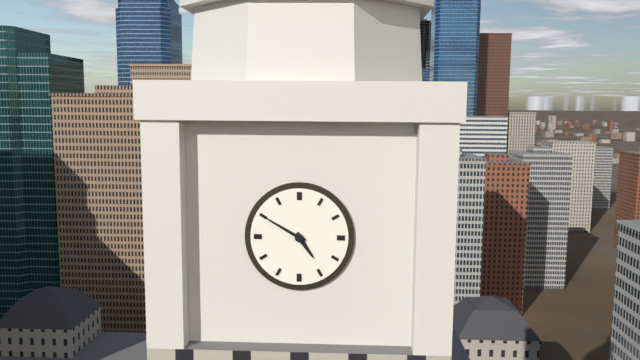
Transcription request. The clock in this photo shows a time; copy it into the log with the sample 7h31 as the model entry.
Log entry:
4h50
